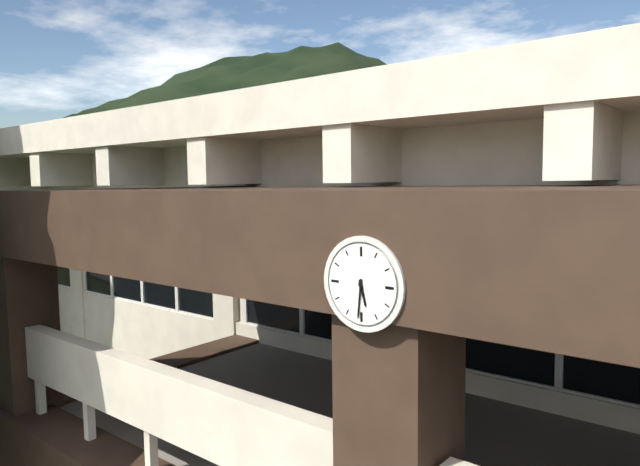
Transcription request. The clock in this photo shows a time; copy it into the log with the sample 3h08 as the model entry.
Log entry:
5h31
